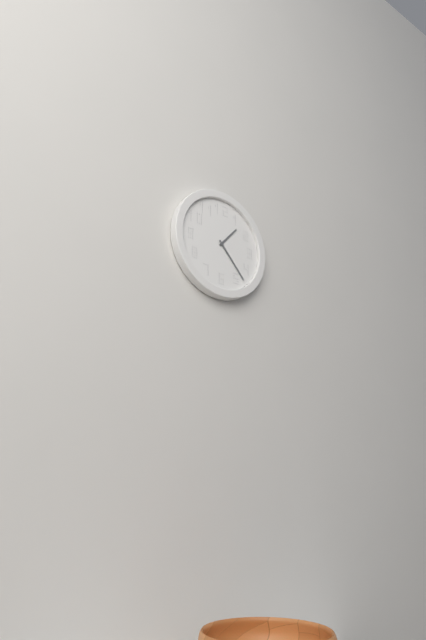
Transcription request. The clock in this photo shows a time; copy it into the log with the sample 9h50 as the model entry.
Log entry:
1h23
